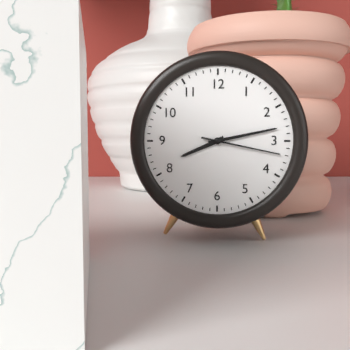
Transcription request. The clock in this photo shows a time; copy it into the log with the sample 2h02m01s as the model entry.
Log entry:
8h13m17s
